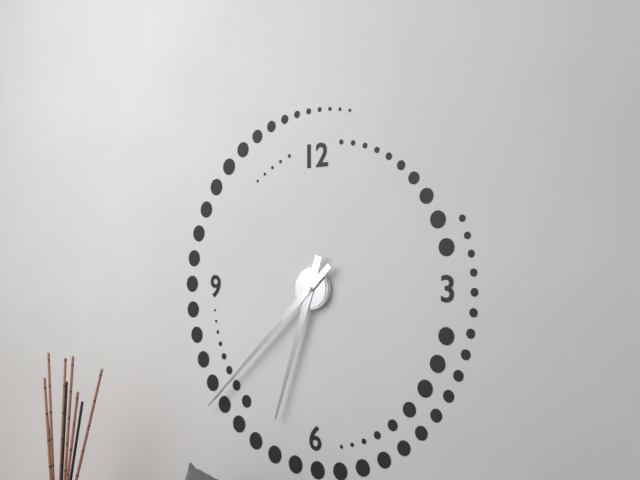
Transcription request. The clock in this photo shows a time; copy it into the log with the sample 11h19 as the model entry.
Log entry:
6h38
